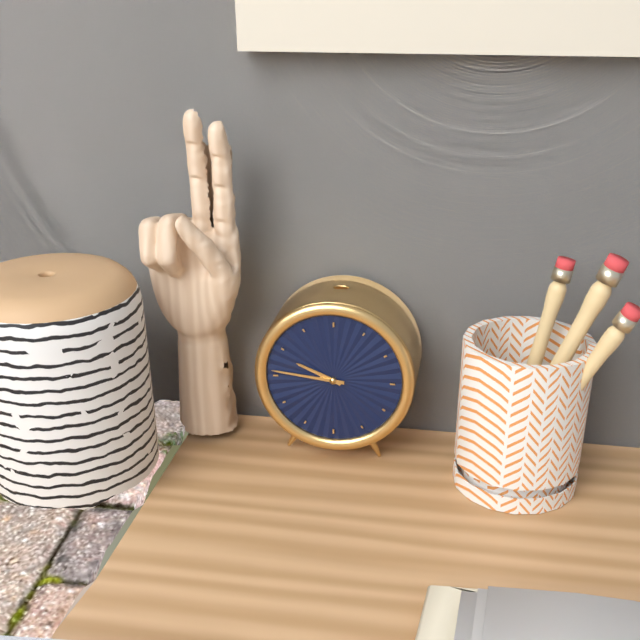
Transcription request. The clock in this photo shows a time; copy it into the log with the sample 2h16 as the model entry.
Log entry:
9h46
